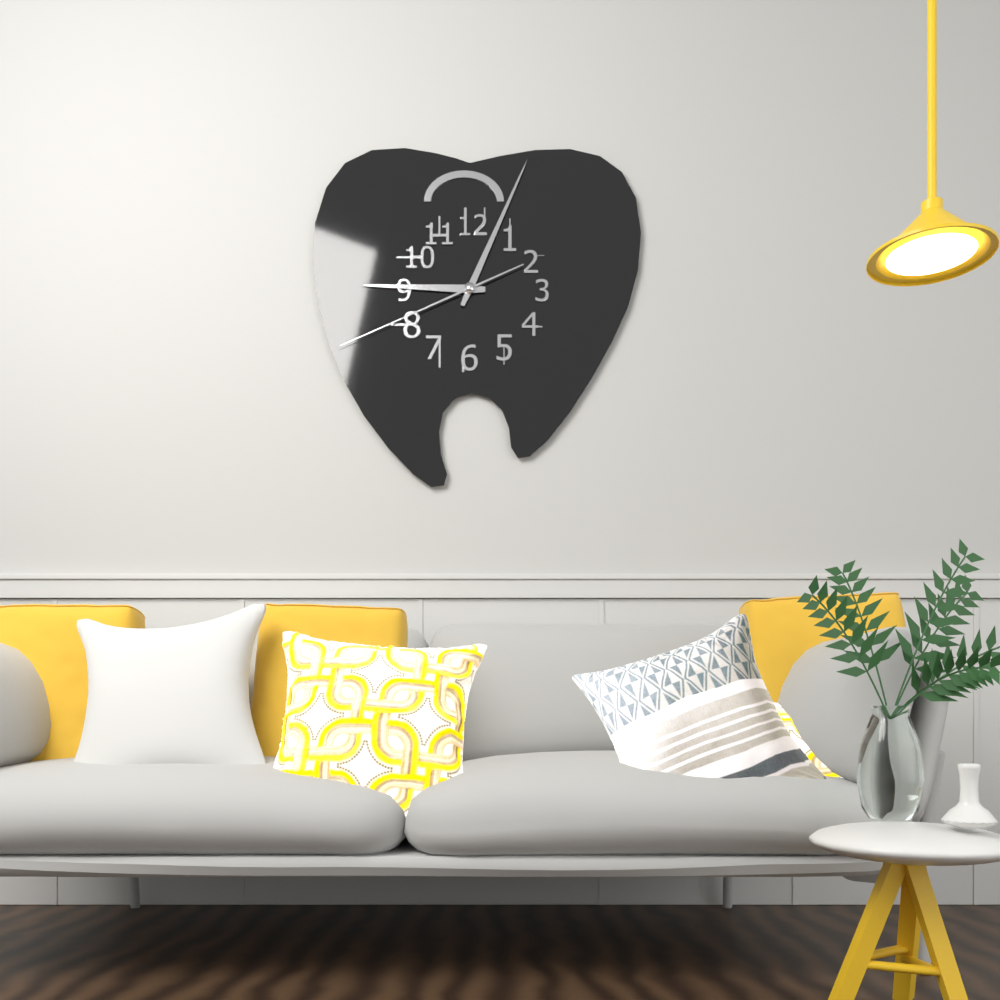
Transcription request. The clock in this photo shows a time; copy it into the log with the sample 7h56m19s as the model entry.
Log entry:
9h04m41s
